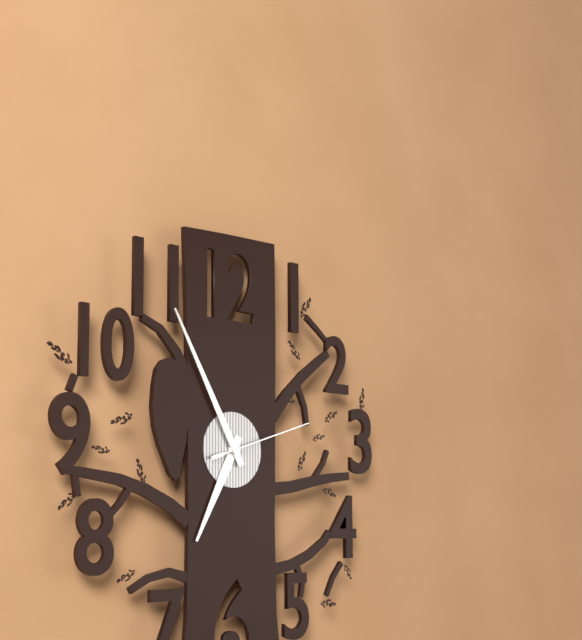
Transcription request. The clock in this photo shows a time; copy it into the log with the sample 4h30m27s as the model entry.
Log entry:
6h55m12s
